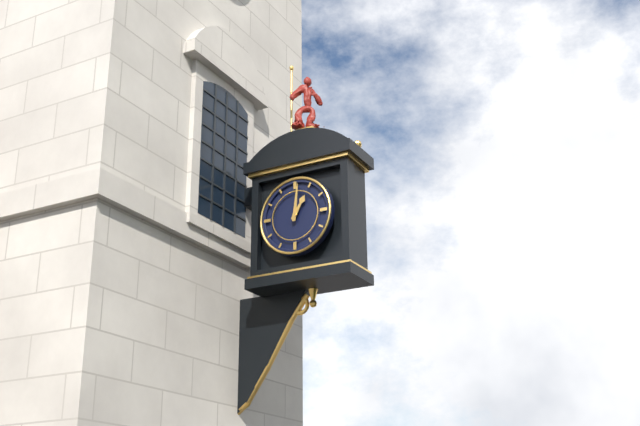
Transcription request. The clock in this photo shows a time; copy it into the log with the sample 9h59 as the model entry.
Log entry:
1h01
